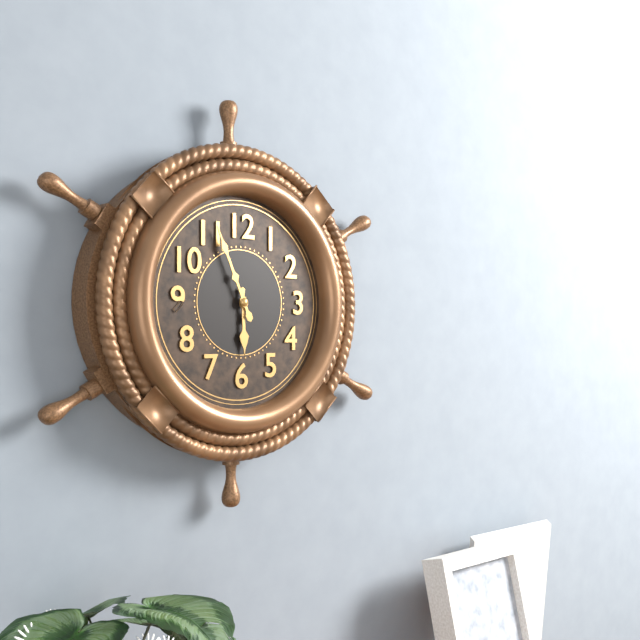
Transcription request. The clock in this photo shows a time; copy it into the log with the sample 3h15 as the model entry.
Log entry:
5h56
